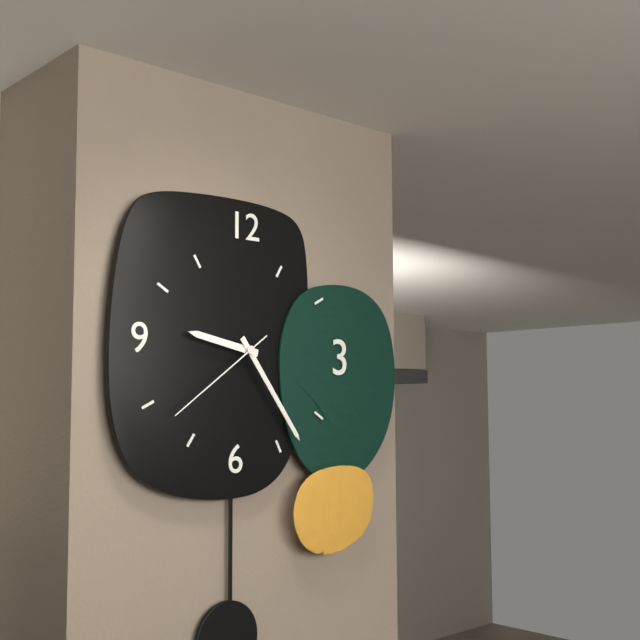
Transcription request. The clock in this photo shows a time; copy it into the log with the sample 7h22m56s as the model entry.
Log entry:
9h24m39s
